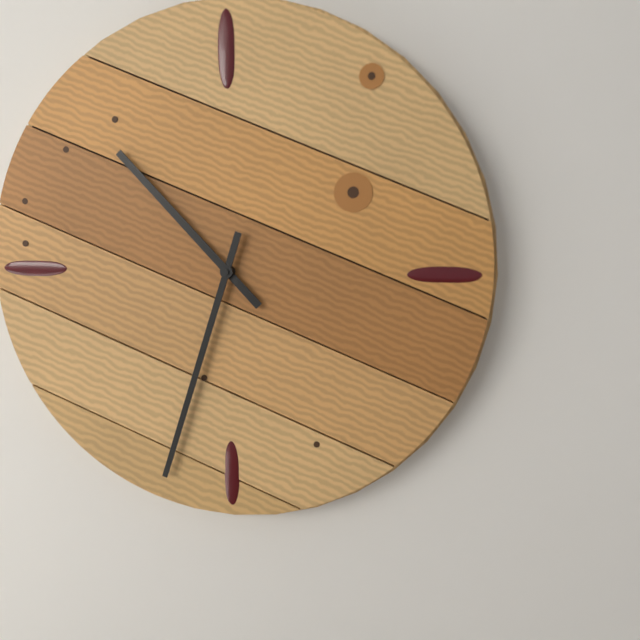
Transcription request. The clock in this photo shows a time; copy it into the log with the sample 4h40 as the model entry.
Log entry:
10h33
